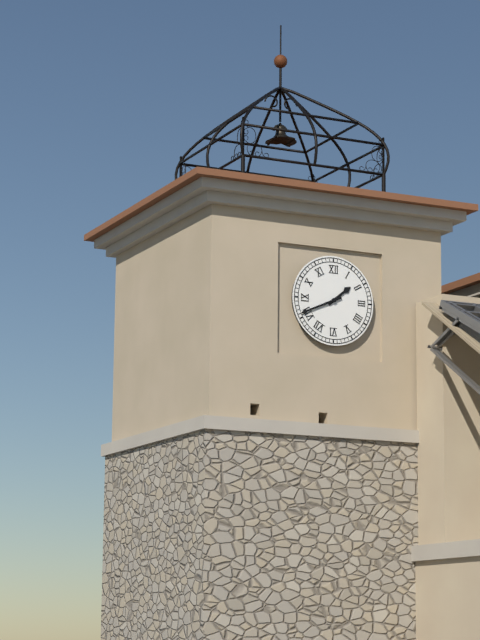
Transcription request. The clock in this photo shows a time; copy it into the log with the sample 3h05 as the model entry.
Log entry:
1h41
